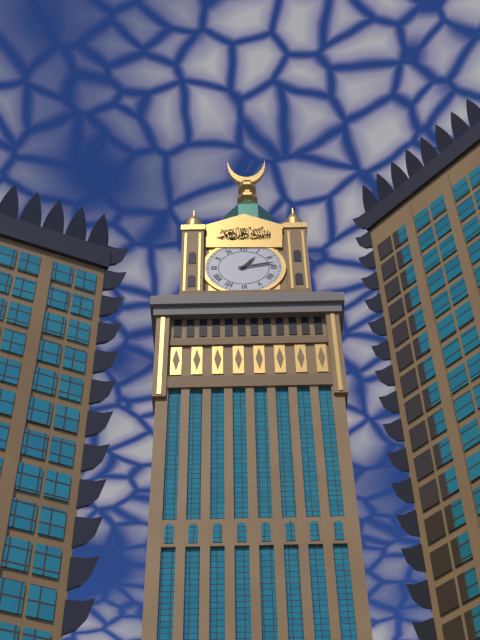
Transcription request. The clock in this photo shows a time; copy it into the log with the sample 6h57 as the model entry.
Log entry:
1h13
